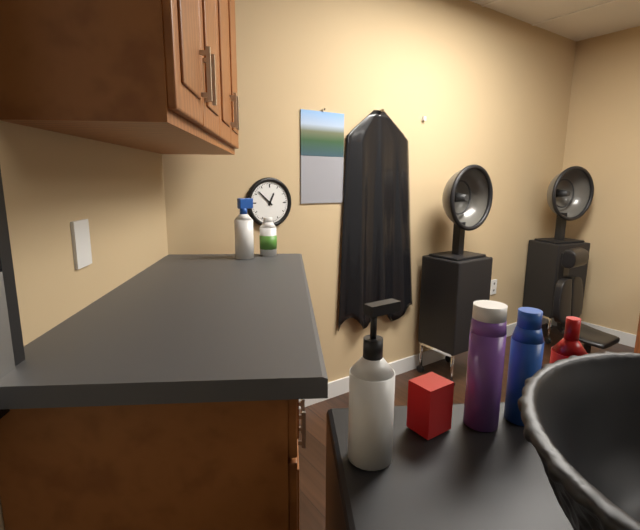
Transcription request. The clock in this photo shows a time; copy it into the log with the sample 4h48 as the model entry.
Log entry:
12h52
